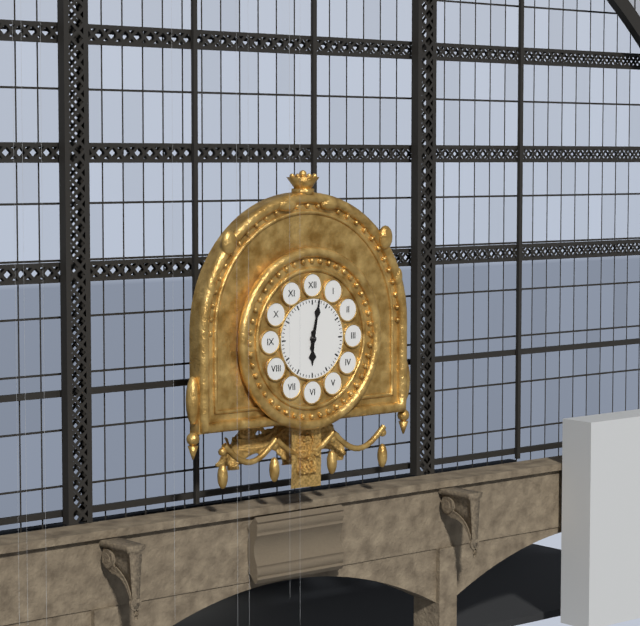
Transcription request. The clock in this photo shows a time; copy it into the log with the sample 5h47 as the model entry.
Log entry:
6h02
